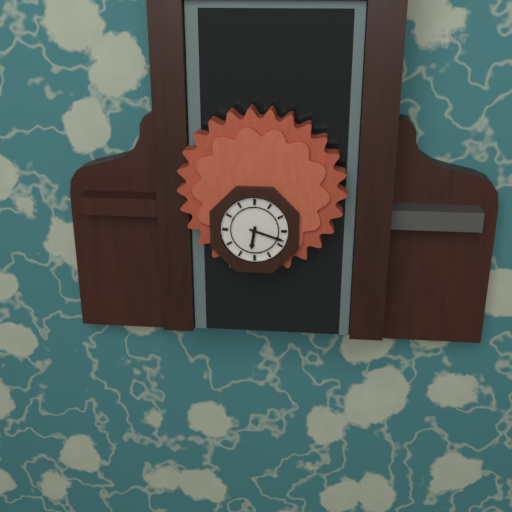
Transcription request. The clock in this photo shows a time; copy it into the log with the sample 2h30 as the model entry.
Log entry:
6h18
